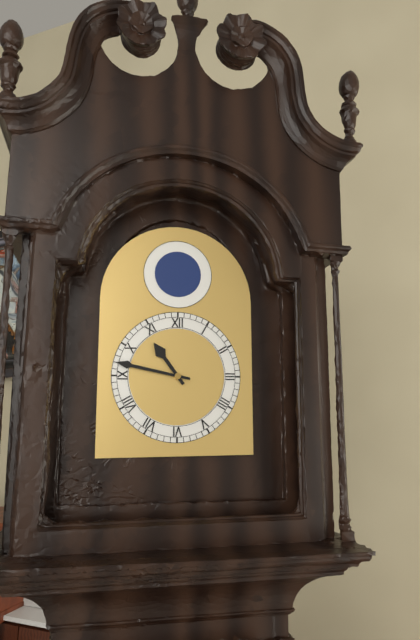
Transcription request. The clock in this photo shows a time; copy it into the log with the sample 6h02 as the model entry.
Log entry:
10h47
